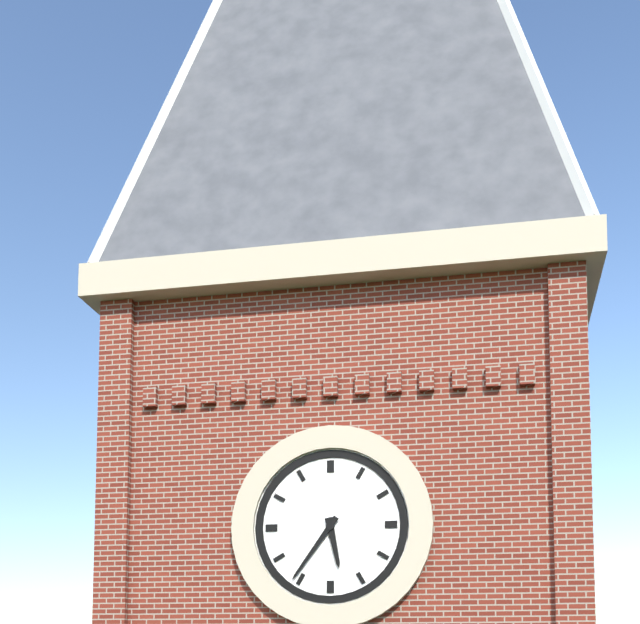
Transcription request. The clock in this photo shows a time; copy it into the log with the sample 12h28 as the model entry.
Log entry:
5h36
